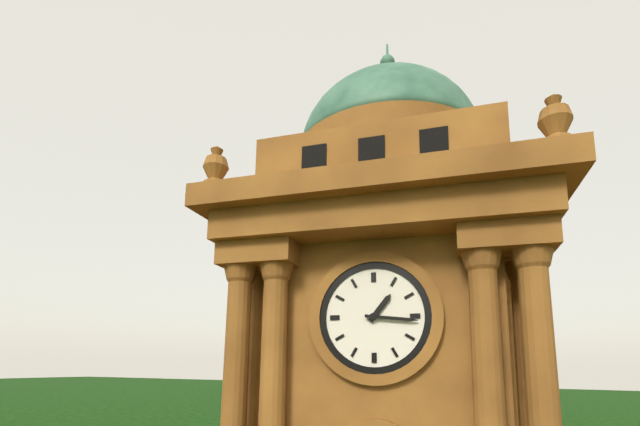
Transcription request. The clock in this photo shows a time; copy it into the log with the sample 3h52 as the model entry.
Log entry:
1h16
